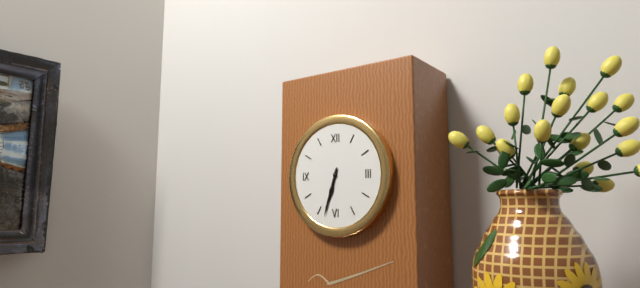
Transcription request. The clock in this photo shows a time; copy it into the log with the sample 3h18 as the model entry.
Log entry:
6h33
